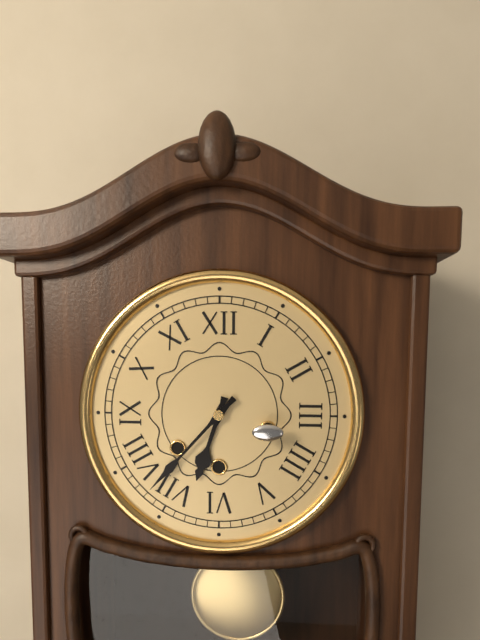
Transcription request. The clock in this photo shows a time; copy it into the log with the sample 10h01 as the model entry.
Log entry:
6h37
